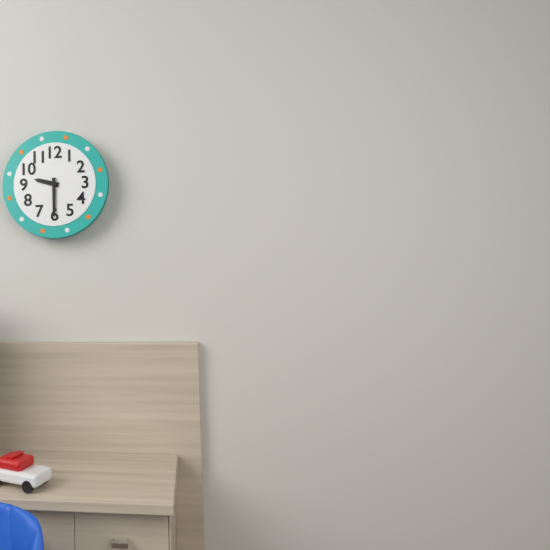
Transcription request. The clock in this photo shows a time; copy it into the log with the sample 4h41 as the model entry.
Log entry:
9h30
